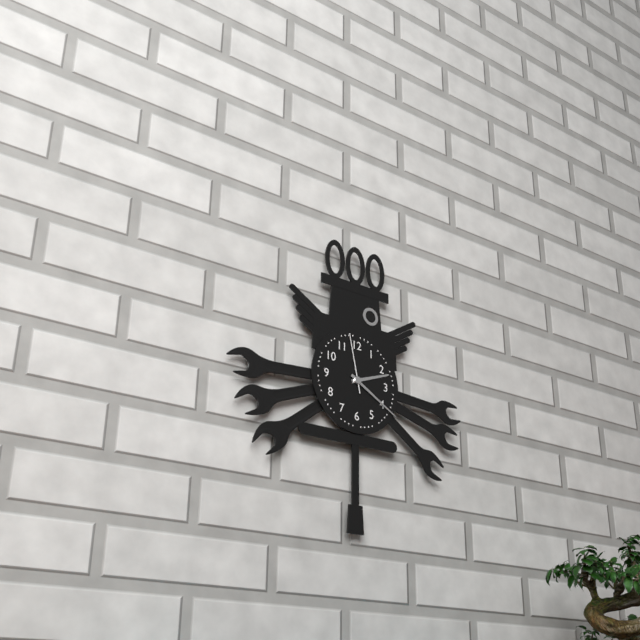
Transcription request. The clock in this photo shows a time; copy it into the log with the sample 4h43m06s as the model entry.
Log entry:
2h20m58s
